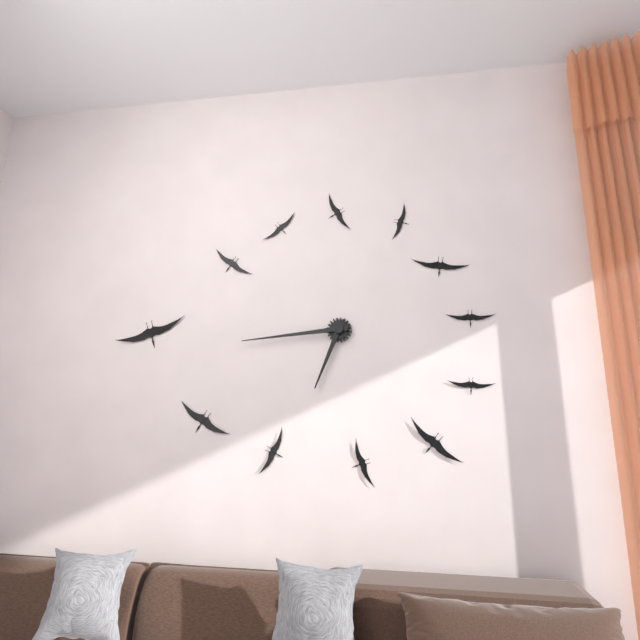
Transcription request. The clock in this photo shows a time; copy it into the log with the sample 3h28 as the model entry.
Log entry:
6h44
